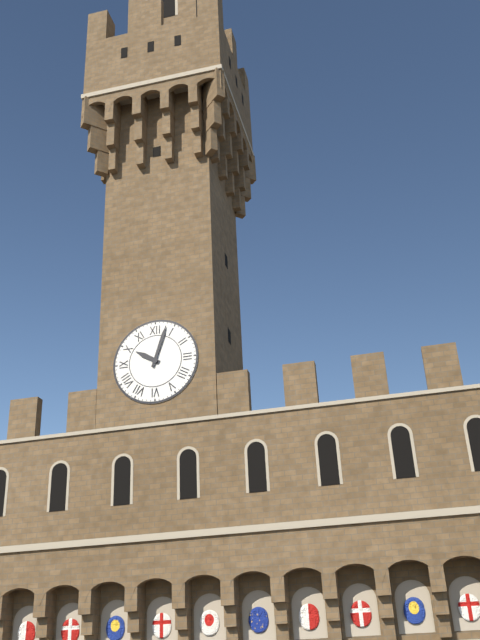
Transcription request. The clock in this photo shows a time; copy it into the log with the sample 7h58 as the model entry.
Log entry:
10h03
